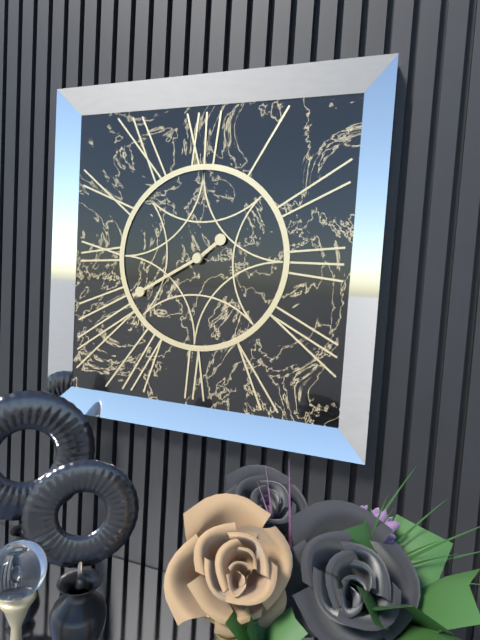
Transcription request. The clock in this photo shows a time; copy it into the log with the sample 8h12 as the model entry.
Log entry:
1h40
